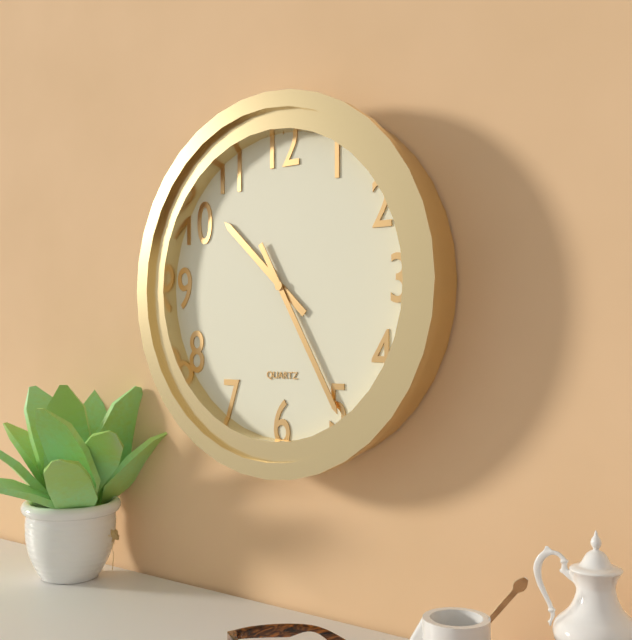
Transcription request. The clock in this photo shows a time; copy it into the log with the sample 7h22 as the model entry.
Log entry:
10h25
